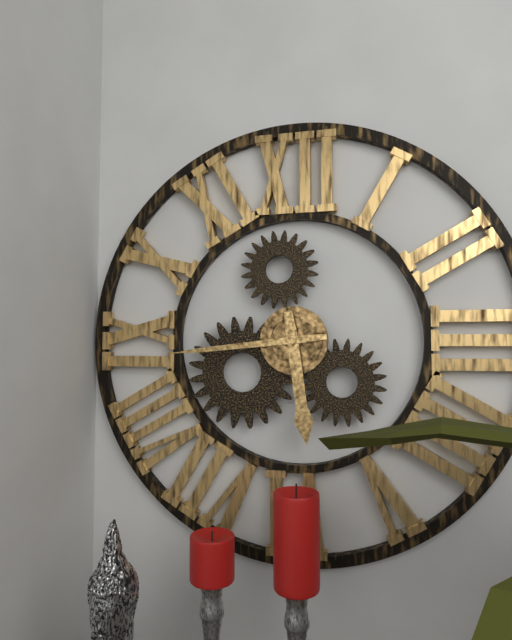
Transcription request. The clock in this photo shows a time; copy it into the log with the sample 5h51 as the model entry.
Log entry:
5h44
